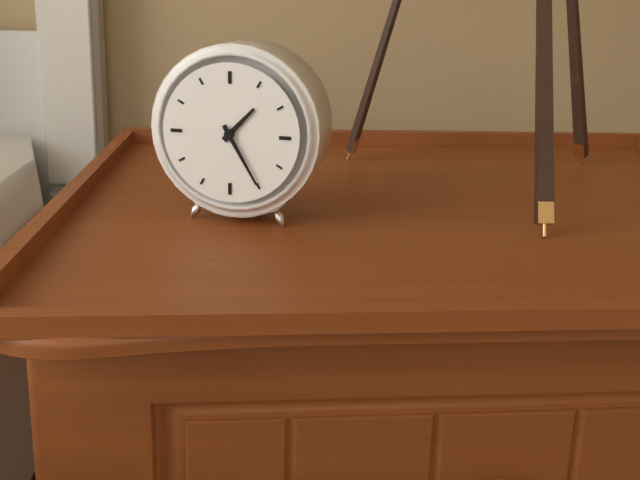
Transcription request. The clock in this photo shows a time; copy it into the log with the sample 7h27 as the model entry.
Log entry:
1h25
